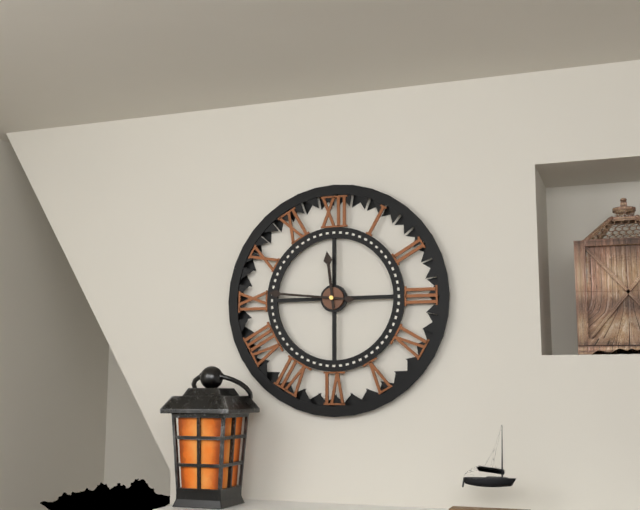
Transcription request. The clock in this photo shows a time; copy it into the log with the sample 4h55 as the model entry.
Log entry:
11h46
